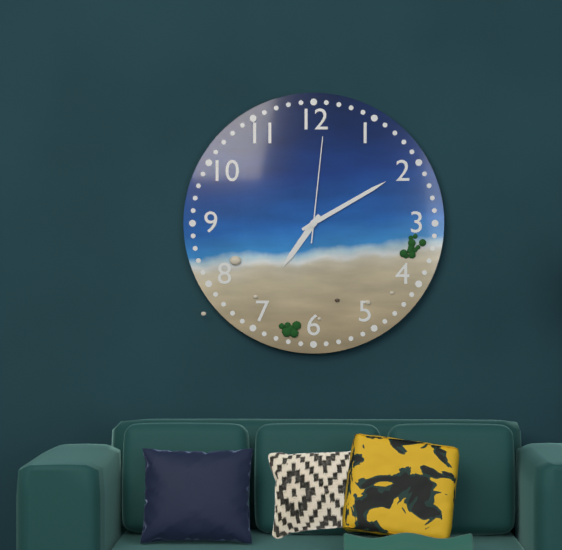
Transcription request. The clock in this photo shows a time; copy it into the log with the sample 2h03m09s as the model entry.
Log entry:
7h10m01s
